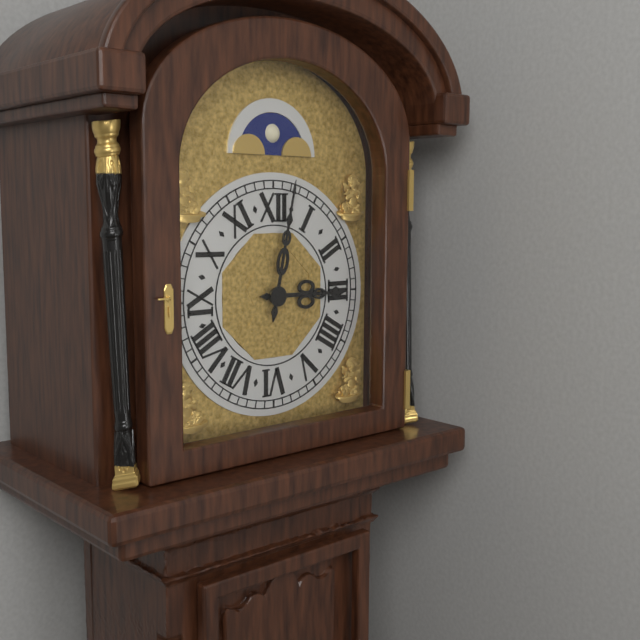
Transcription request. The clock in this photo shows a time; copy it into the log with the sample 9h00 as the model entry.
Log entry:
3h02
